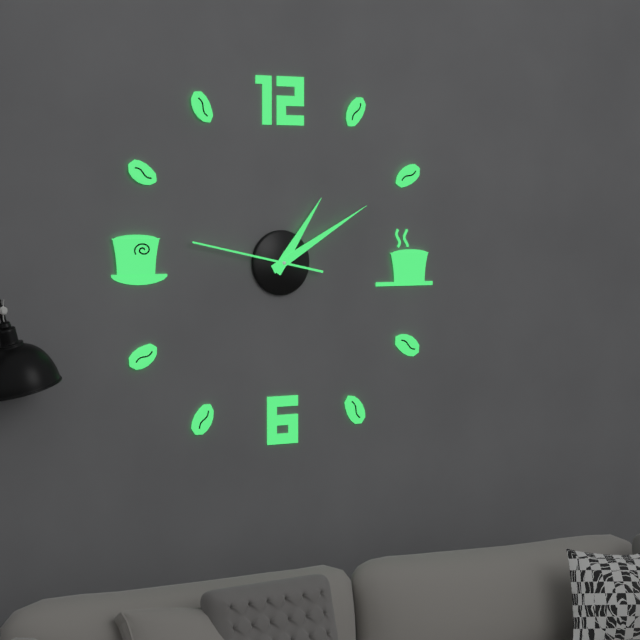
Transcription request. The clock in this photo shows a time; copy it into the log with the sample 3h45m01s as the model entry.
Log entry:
1h10m47s
